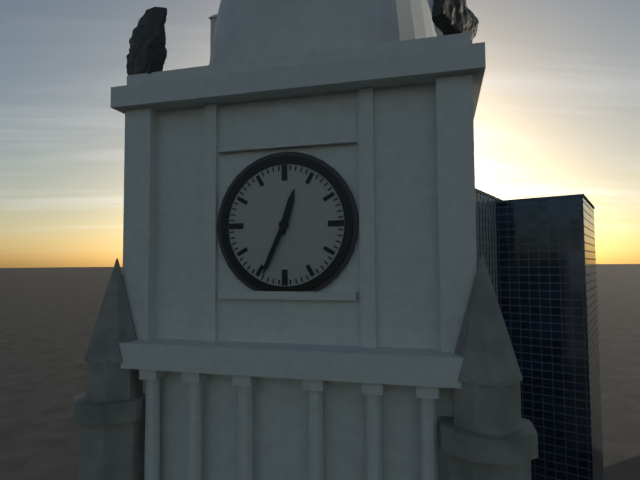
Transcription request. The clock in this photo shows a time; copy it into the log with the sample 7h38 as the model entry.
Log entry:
12h34
